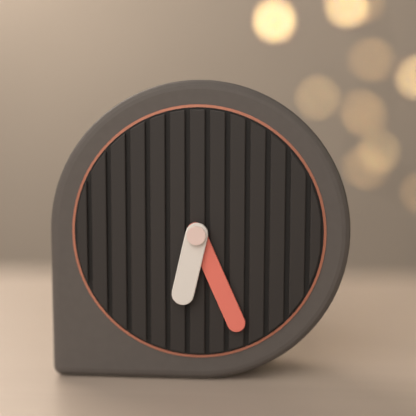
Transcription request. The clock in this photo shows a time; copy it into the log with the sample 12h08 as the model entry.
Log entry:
6h26
